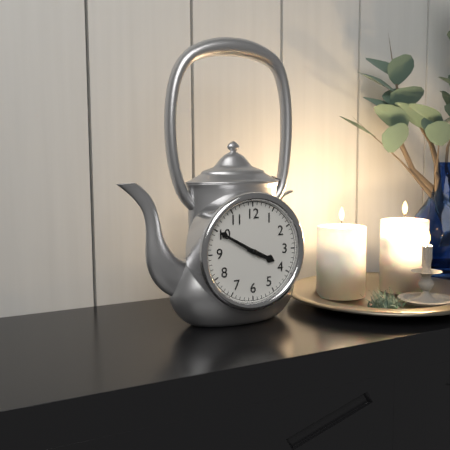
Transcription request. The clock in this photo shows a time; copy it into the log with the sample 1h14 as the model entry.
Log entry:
3h50
